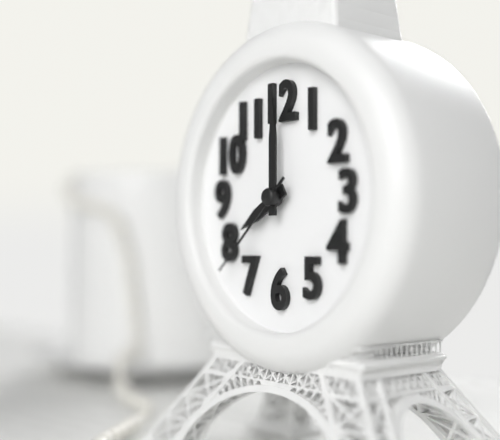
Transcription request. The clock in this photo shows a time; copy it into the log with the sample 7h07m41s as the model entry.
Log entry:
8h00m38s
